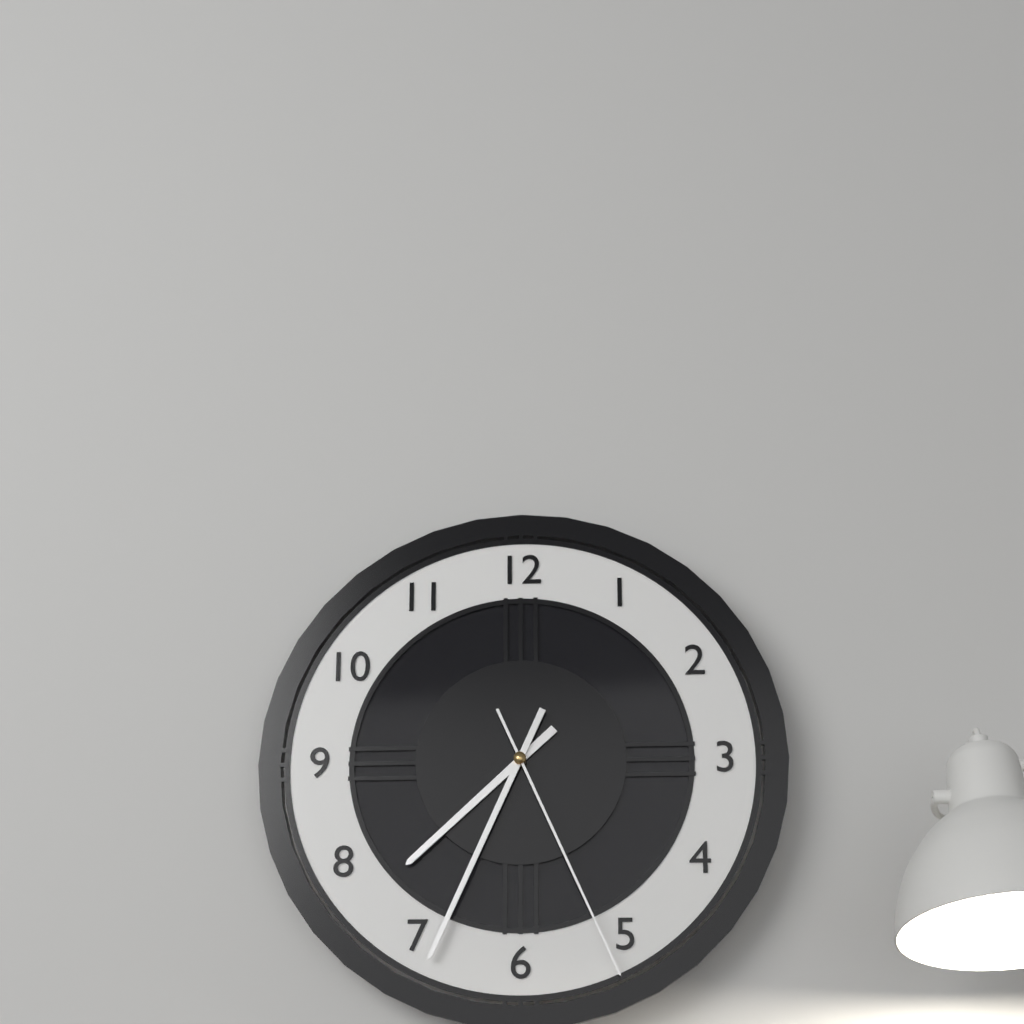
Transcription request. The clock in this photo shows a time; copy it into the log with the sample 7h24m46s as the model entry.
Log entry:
7h34m26s
